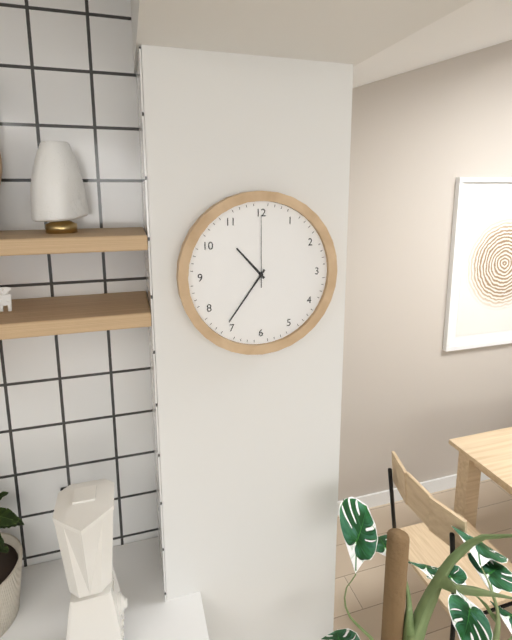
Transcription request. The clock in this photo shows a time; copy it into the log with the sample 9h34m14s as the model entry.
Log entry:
10h36m00s
